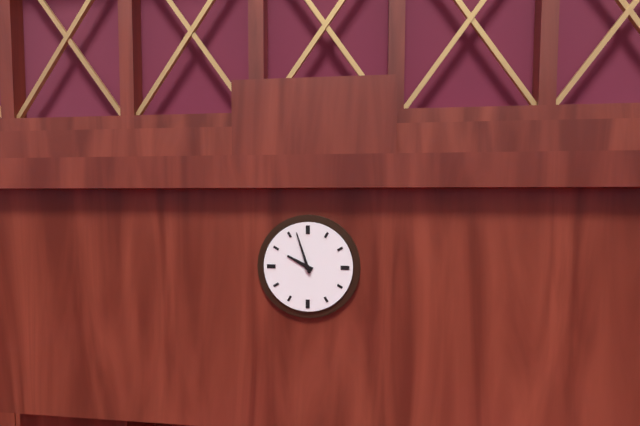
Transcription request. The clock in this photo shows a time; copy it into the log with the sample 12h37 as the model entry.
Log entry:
9h57
